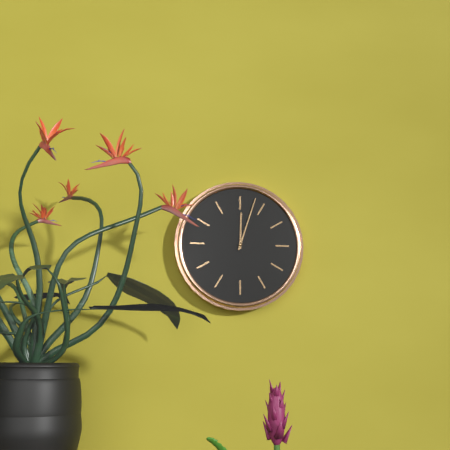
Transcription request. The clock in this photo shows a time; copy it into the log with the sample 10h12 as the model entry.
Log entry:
12h03
